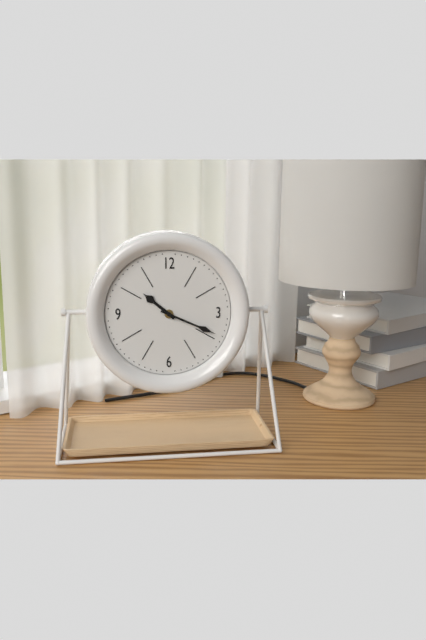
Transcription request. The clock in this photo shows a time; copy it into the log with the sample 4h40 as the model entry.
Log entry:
10h19
